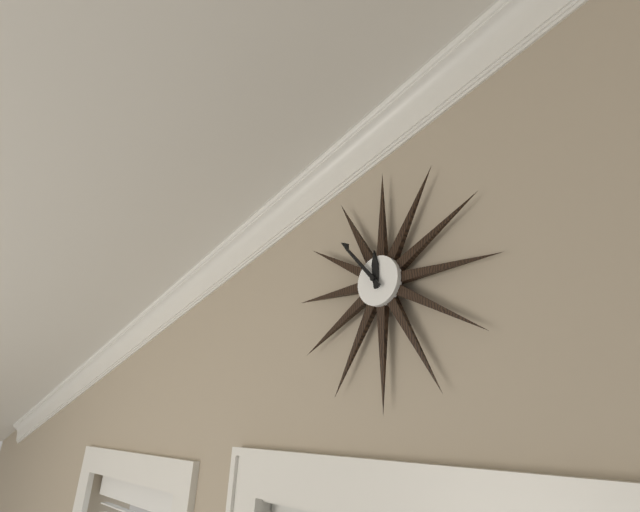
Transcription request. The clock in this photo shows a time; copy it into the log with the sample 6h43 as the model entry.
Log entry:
11h53
